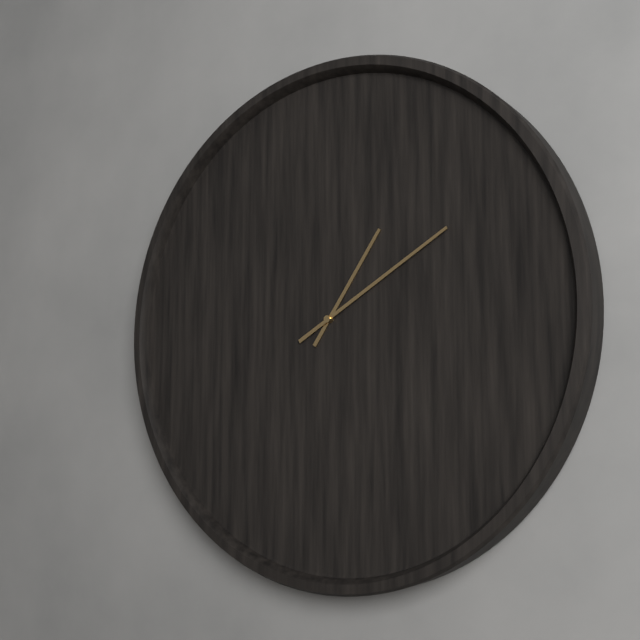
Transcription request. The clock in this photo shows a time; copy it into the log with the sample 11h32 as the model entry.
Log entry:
1h10
